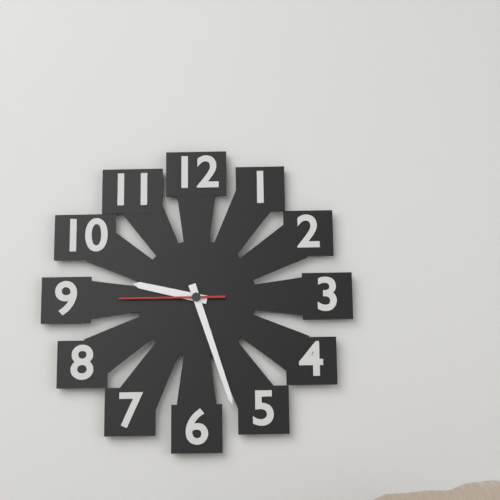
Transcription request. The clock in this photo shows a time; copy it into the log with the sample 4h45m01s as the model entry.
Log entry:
9h27m45s
